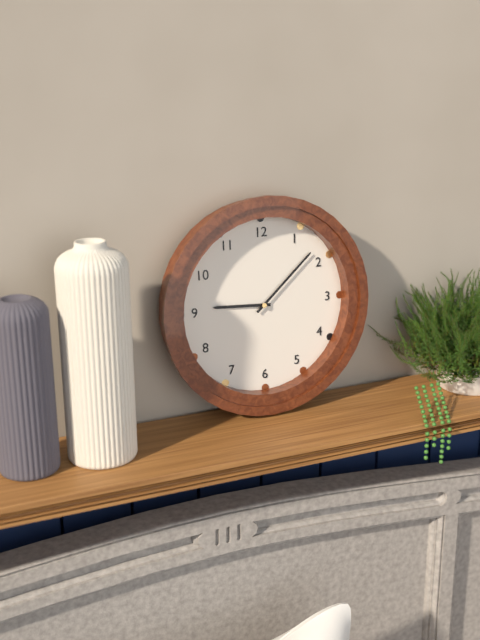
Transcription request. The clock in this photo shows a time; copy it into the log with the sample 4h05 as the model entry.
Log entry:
9h08
